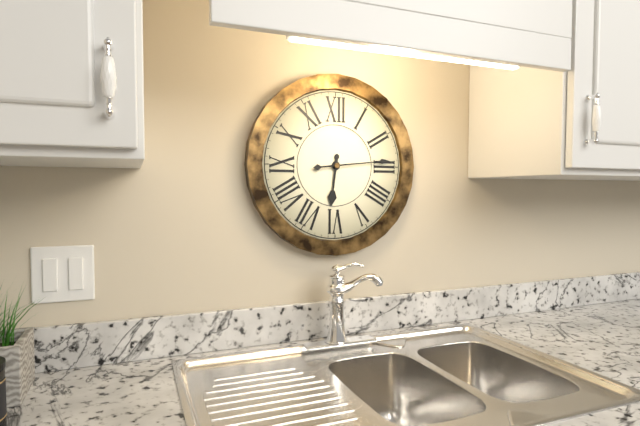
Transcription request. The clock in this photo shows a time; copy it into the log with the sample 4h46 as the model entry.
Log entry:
6h14
